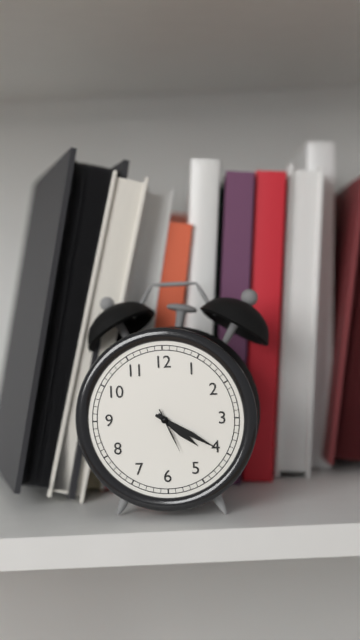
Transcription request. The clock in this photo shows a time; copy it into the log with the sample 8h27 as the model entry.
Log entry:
4h20
